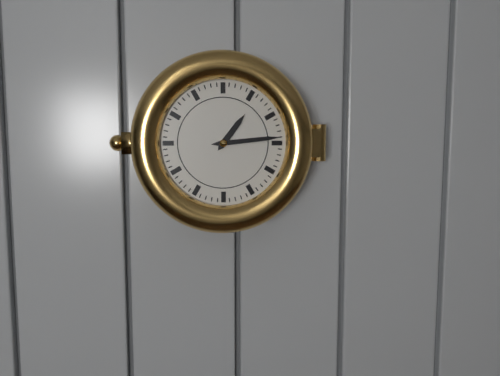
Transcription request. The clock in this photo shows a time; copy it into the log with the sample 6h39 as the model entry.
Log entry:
1h14
